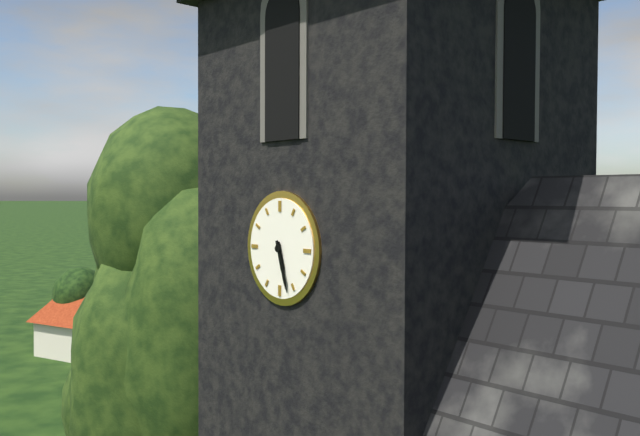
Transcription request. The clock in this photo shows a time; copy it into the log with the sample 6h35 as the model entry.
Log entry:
5h27
